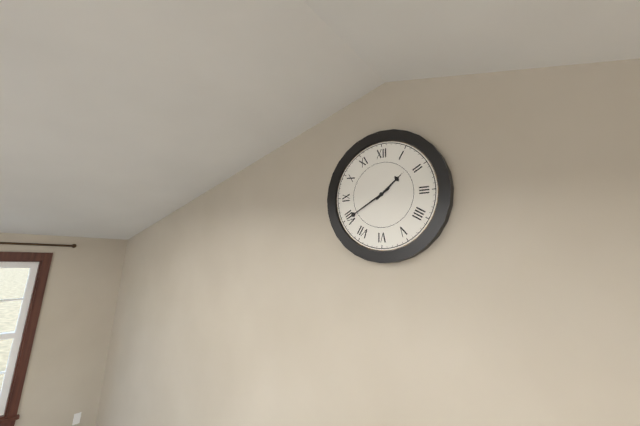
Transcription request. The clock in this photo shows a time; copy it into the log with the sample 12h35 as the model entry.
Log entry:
1h40
